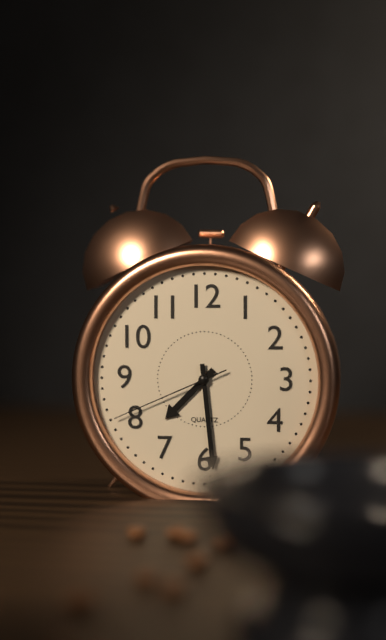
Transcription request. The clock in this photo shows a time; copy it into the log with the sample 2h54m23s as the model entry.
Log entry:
7h29m41s
